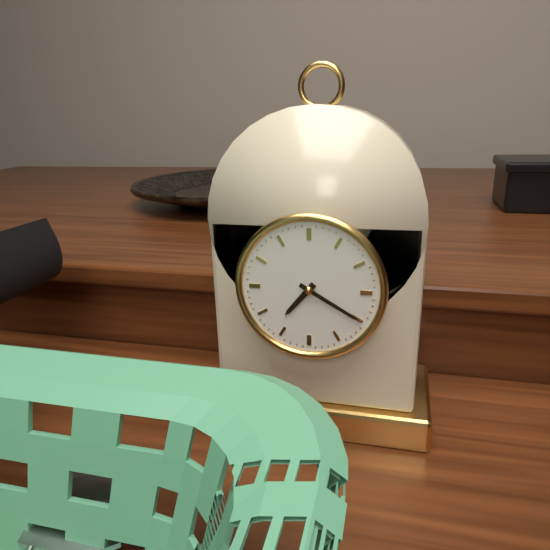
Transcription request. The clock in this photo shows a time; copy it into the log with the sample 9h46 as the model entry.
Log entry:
7h20
